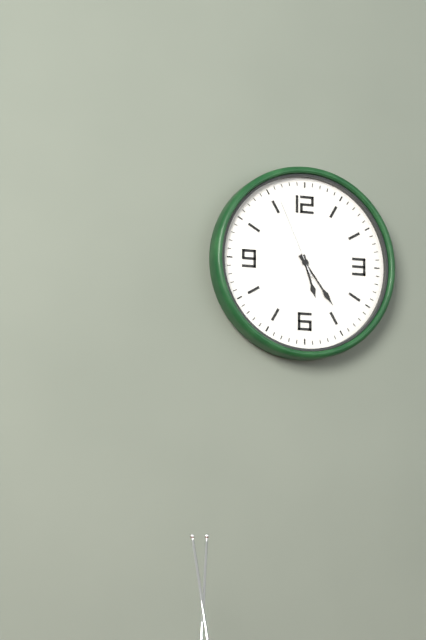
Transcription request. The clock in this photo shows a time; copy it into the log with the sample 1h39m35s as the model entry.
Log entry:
5h24m56s
